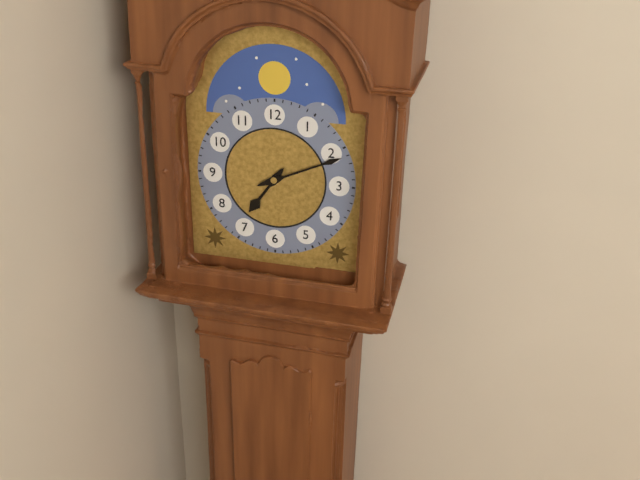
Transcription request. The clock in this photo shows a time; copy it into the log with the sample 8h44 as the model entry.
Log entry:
7h11
